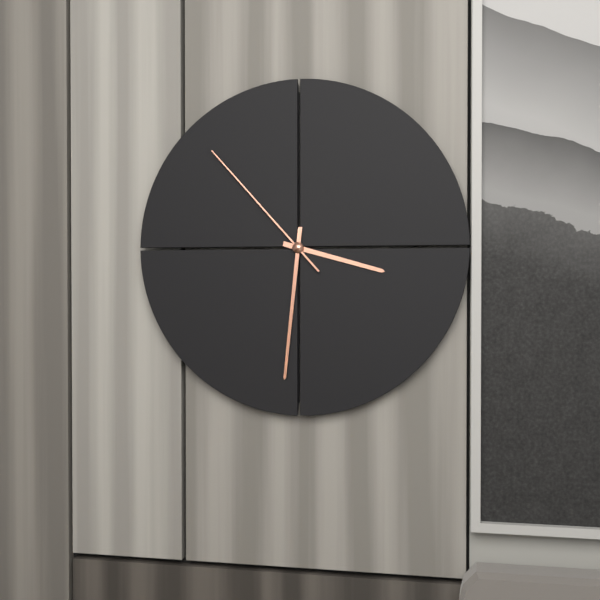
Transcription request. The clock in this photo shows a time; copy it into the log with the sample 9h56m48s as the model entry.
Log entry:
3h31m53s
